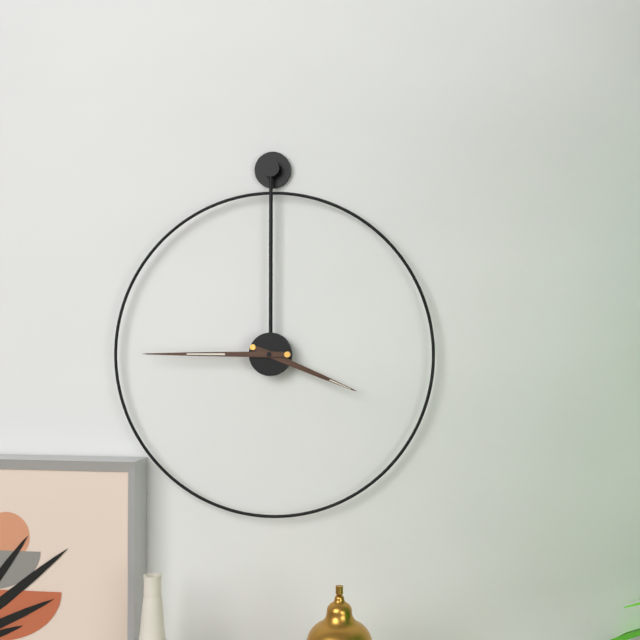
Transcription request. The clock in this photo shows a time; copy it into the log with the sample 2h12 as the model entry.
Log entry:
3h45
